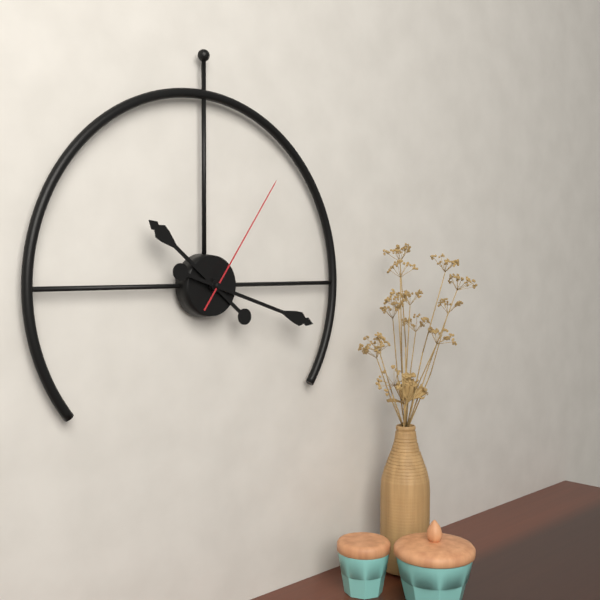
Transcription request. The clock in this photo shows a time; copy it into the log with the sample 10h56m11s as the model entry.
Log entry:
10h18m06s
